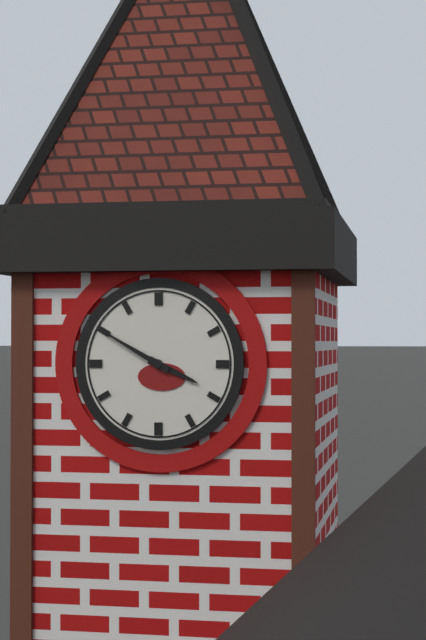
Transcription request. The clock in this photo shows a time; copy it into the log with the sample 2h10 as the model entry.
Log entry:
3h50
